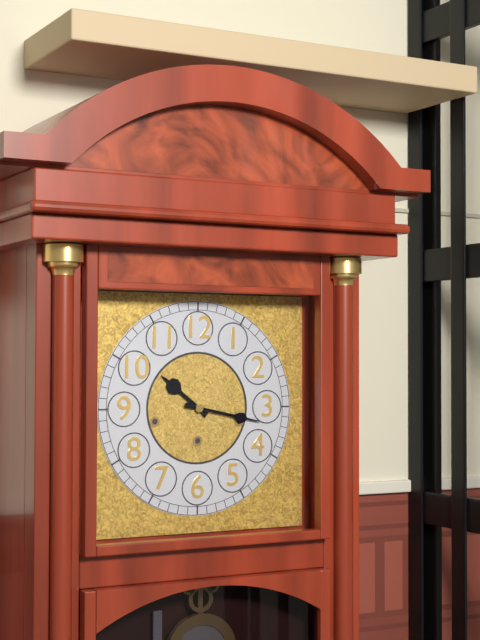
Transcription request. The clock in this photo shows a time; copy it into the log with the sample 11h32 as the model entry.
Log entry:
10h17
